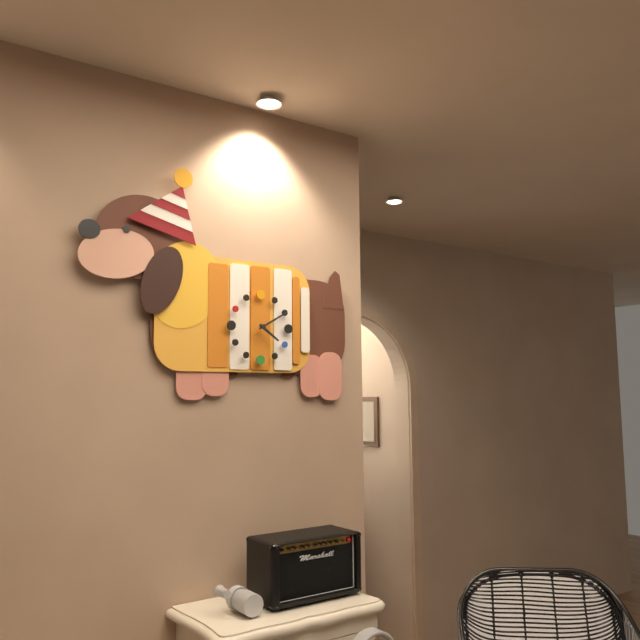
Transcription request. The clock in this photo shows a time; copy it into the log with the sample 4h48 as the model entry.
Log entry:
4h10
